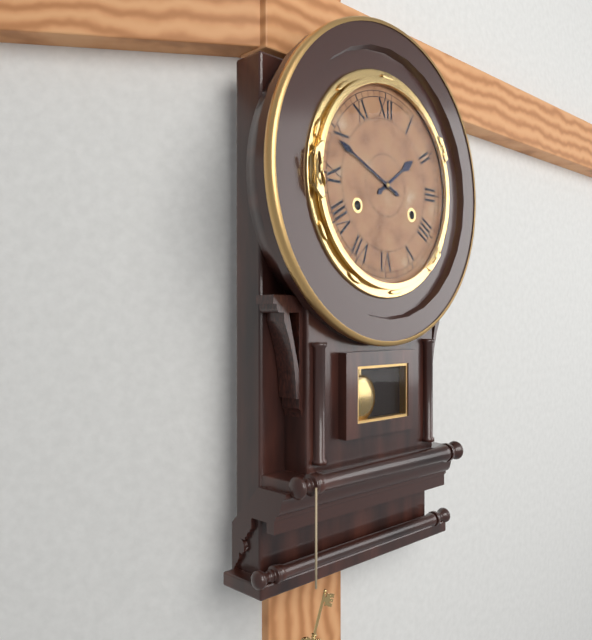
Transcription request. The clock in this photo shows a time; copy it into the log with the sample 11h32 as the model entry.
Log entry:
1h49
